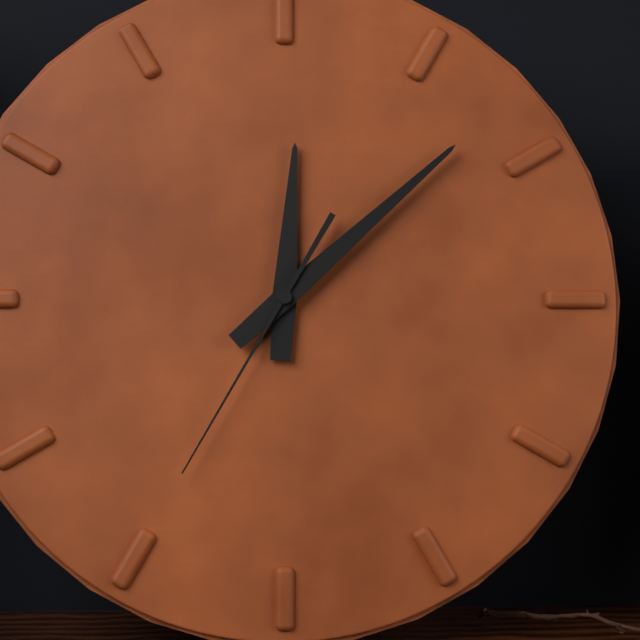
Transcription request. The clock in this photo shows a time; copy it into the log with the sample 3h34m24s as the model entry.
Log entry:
12h08m35s
